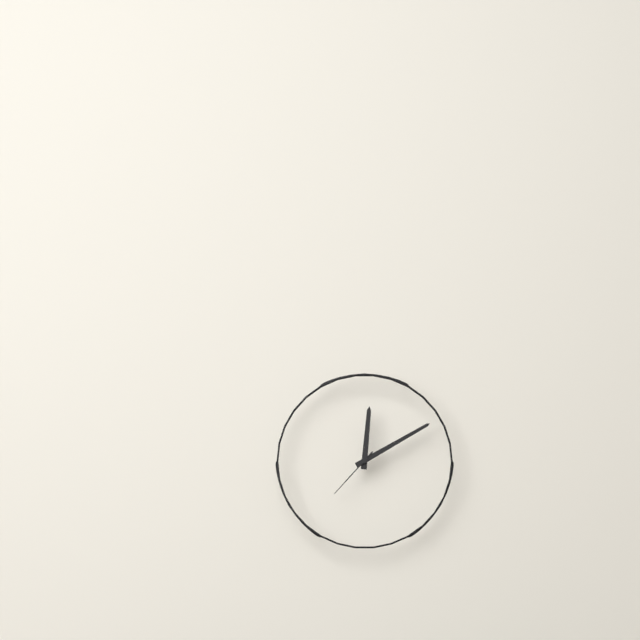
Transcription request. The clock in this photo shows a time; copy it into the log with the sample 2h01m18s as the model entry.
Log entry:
12h10m37s
